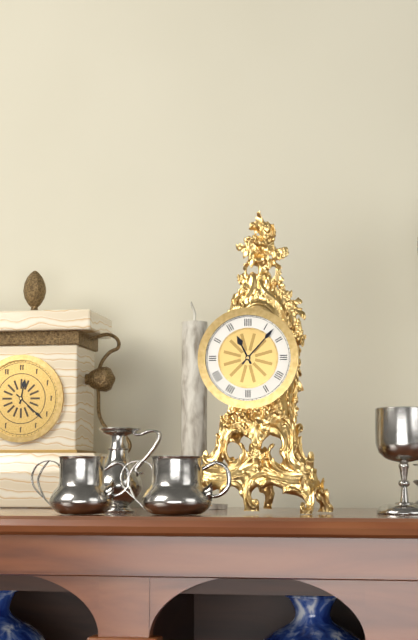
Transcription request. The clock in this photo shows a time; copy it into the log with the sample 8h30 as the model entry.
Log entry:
11h07
